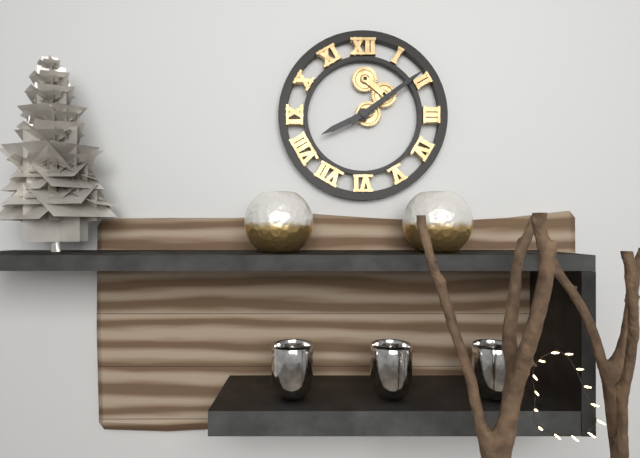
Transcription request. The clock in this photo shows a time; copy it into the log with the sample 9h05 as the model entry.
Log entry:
8h09
